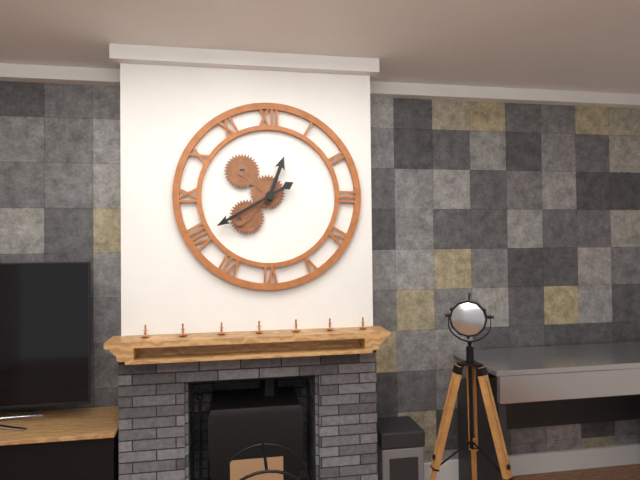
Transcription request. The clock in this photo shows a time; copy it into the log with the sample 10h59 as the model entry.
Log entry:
12h40
